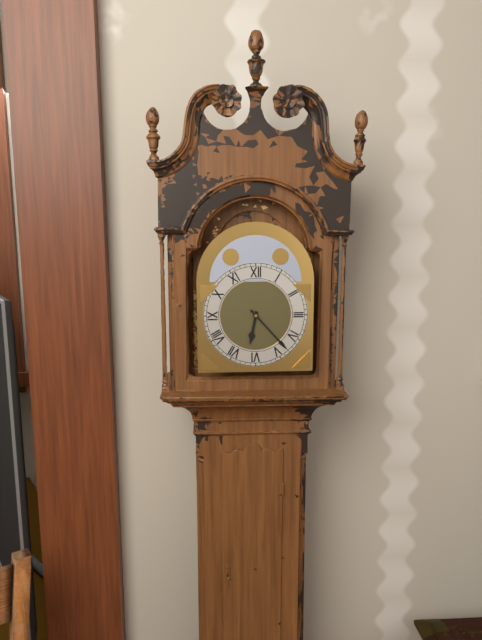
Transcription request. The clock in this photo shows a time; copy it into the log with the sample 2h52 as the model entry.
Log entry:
6h23
